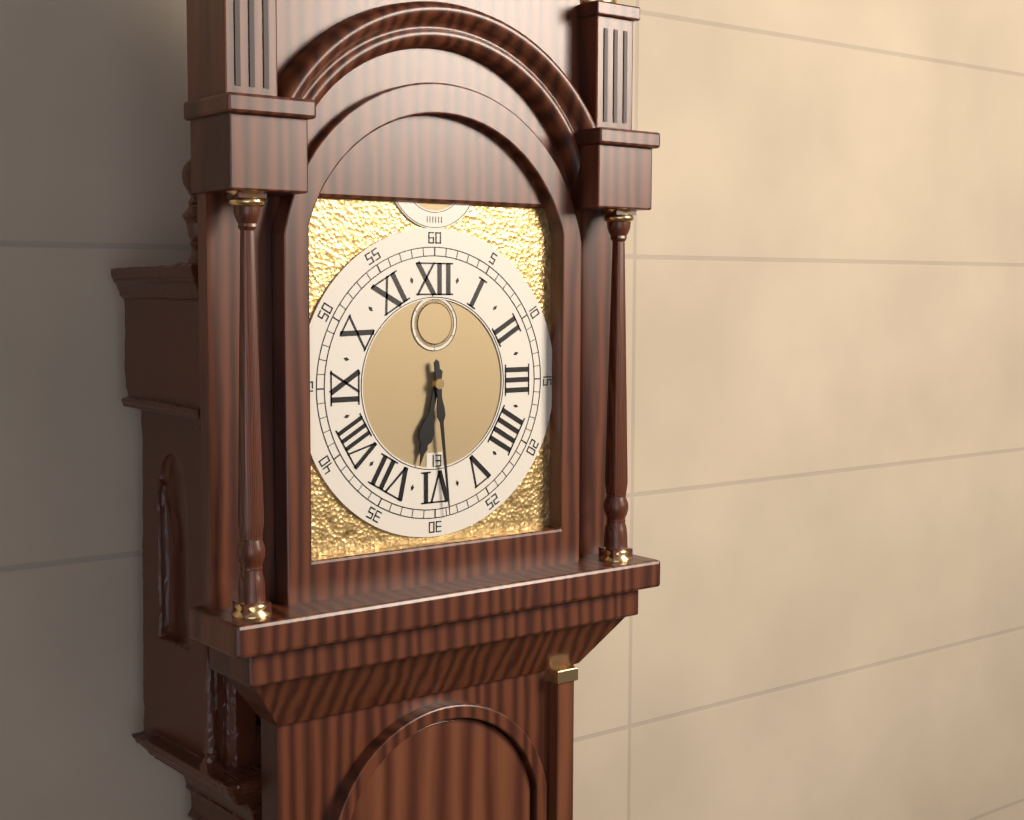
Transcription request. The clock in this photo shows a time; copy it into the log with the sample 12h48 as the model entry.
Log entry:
6h29
